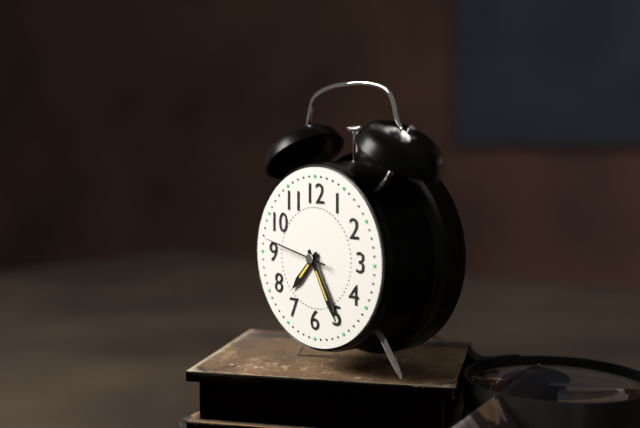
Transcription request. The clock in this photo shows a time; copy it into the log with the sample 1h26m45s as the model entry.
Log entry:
7h25m47s
